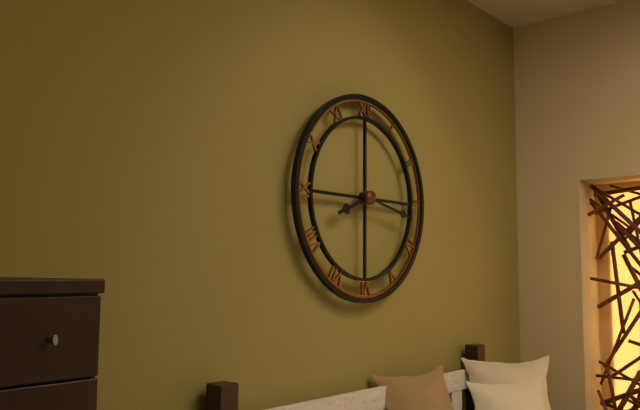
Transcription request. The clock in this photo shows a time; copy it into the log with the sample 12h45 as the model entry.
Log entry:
8h17
